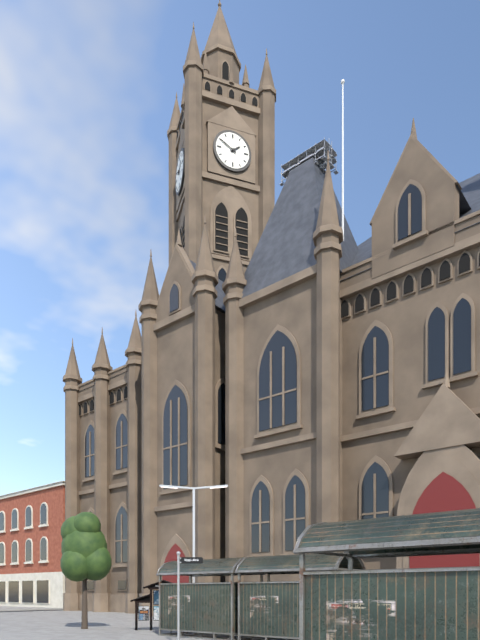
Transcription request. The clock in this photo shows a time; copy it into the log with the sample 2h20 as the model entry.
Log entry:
1h50
